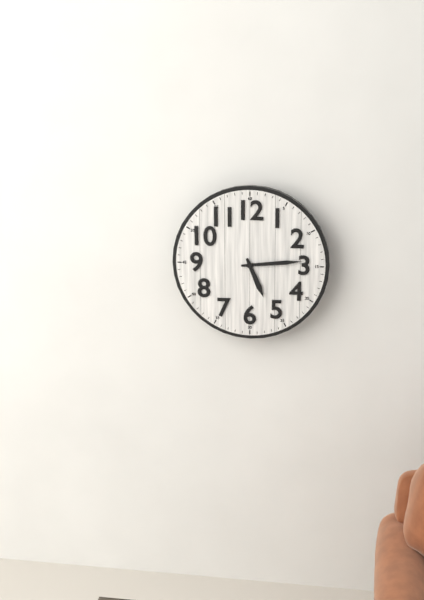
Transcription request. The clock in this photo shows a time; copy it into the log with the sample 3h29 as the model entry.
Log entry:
5h14
